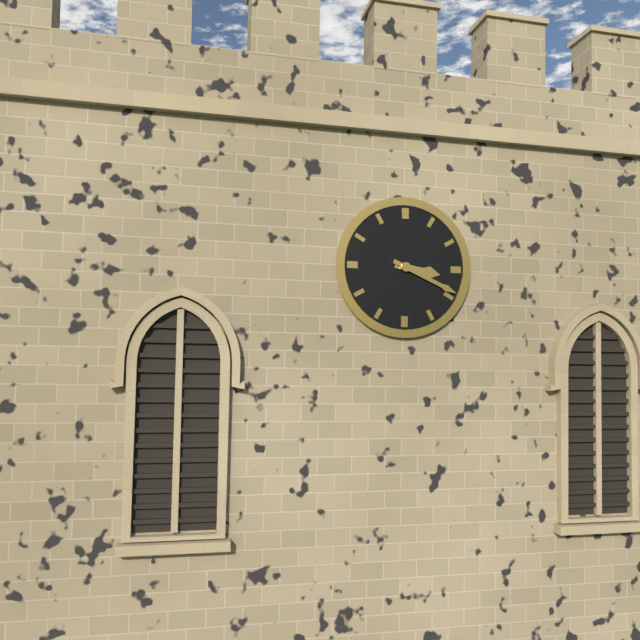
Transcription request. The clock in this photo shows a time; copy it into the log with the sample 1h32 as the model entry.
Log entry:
3h19
